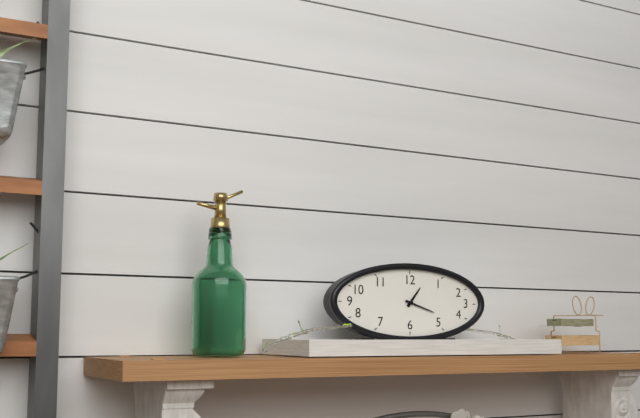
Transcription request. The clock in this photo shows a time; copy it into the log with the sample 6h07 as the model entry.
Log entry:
1h18
